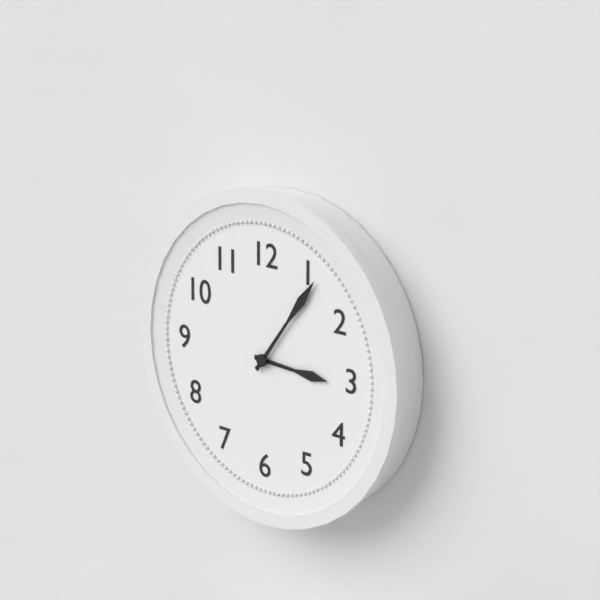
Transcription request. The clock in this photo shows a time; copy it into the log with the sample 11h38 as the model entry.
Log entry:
3h06
